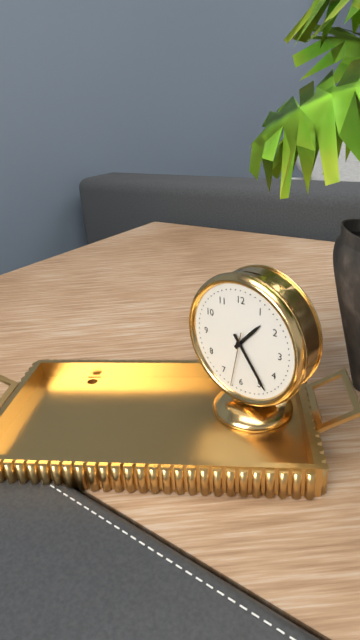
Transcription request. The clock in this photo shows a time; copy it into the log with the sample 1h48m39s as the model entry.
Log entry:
1h24m32s
